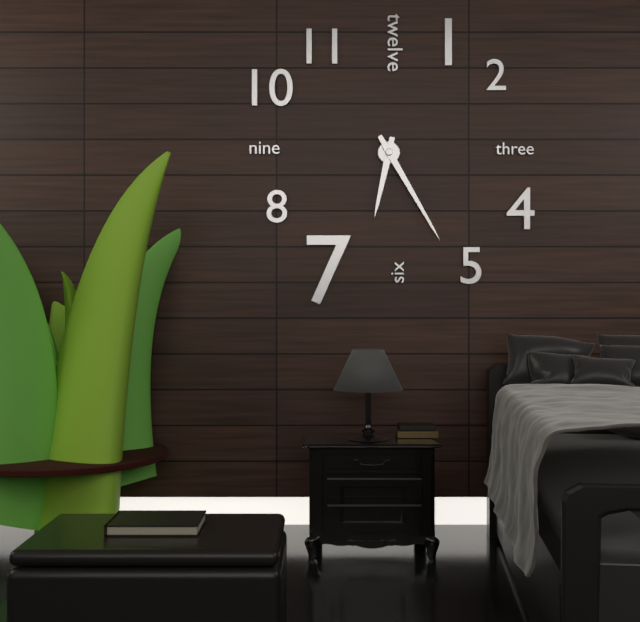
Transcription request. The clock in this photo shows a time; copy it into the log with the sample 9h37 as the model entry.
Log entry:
6h25
